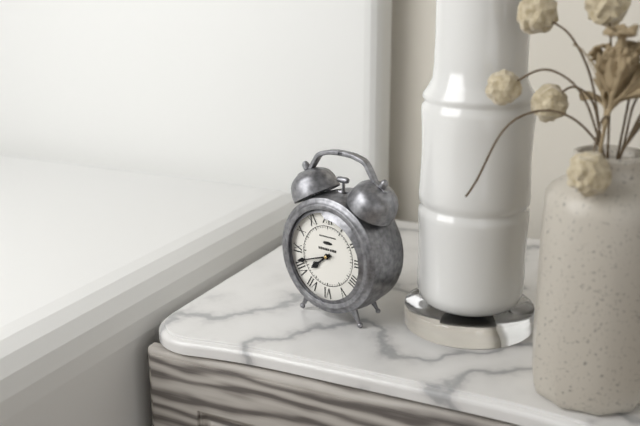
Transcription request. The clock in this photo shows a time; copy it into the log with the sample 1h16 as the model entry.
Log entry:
7h42
